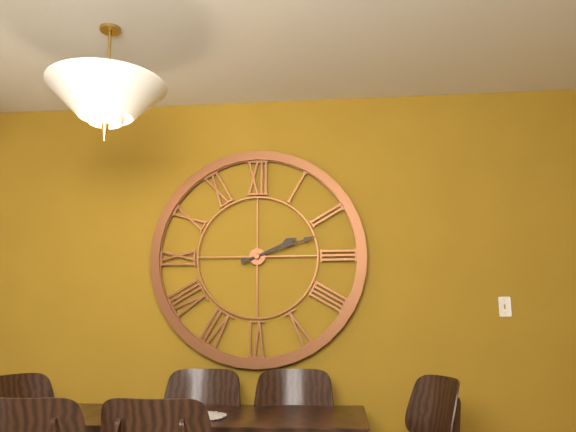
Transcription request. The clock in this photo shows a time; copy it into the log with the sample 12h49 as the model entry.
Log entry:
2h12
